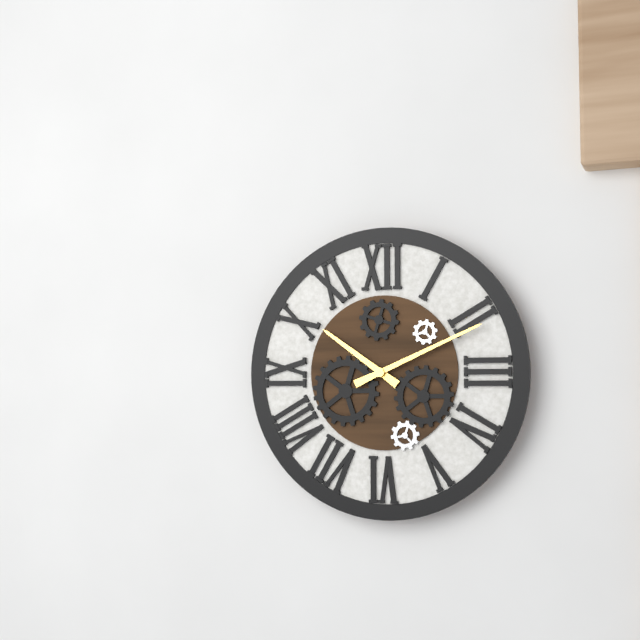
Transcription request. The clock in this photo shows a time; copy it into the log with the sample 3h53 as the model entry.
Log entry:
10h11
